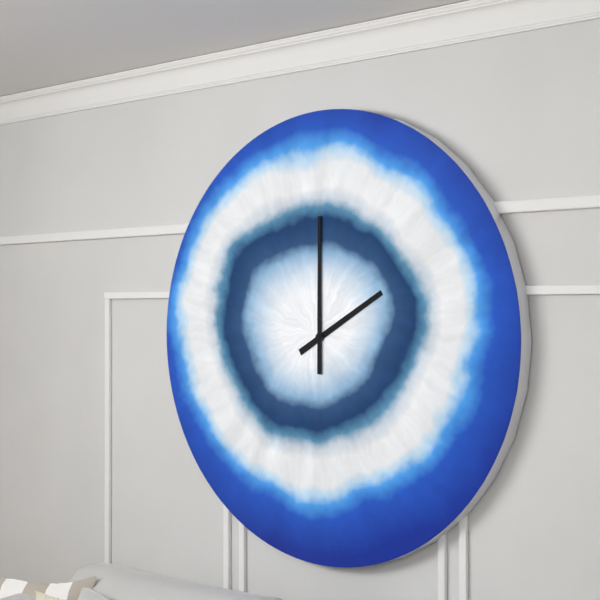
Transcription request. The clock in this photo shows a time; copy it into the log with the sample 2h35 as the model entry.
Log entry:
2h00
